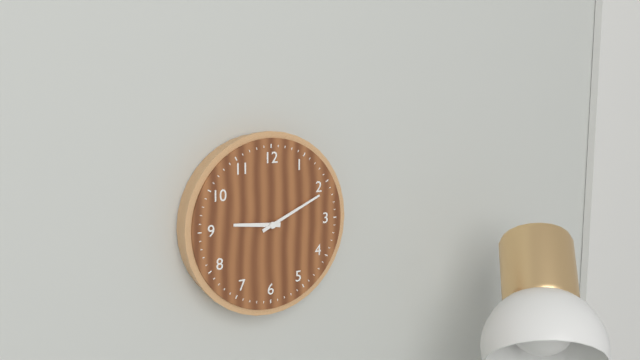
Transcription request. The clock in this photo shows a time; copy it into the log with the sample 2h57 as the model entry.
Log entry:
9h11
